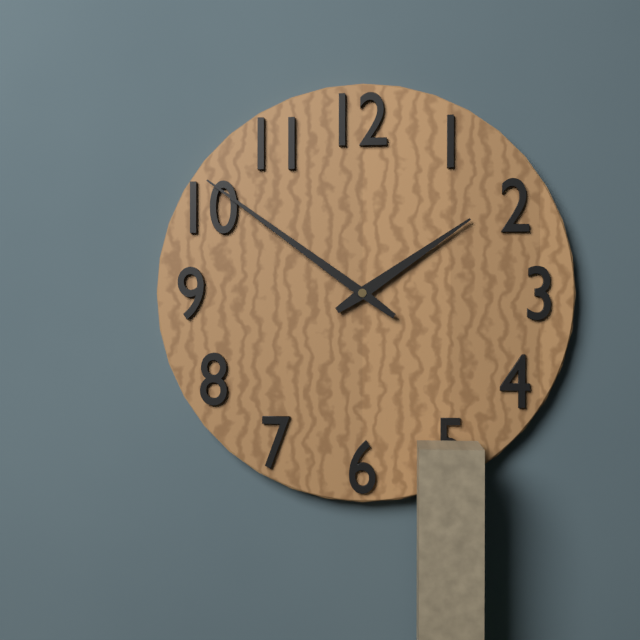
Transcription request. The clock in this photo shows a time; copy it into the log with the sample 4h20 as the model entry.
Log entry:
1h51
